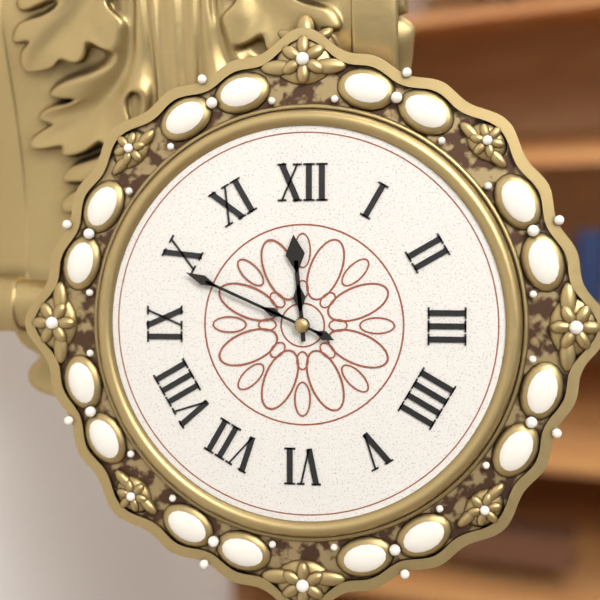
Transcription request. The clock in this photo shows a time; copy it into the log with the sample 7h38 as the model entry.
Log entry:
11h49
